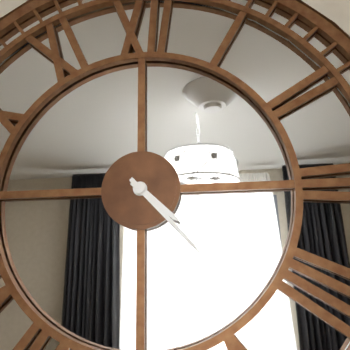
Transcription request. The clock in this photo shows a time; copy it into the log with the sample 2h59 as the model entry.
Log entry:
4h23
